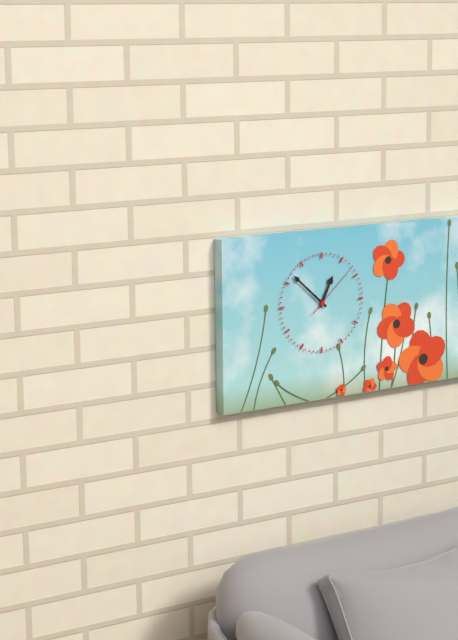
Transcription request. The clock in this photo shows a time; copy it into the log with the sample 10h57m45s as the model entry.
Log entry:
12h52m08s
